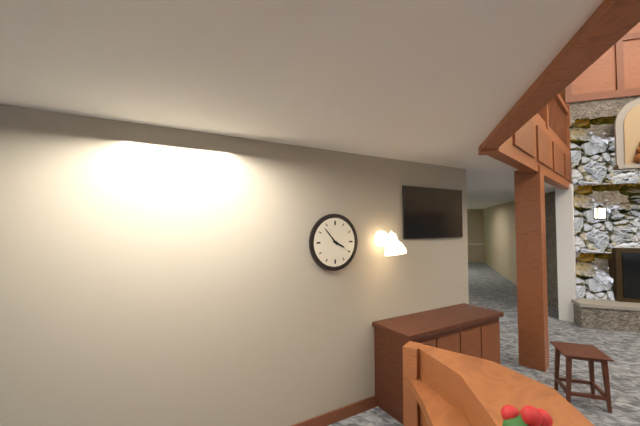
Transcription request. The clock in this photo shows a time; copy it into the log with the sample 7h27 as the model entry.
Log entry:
3h53
